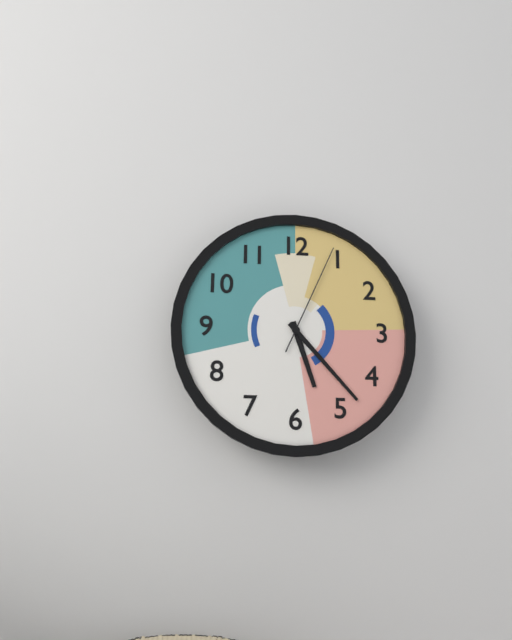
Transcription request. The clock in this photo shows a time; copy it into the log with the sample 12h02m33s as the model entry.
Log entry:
5h23m04s
